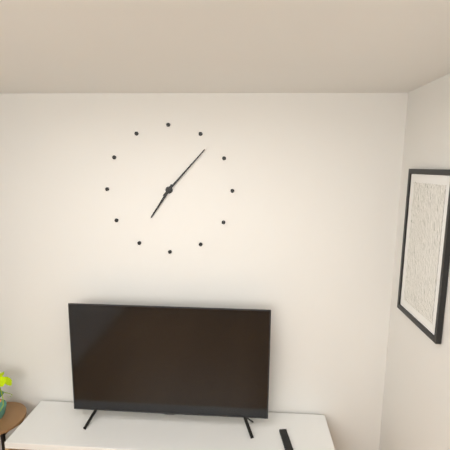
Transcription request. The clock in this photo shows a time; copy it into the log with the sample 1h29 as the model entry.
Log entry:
7h07
